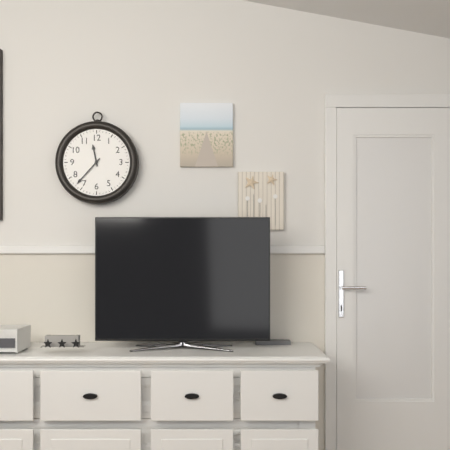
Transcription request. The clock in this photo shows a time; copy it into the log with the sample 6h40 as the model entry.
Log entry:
11h37
